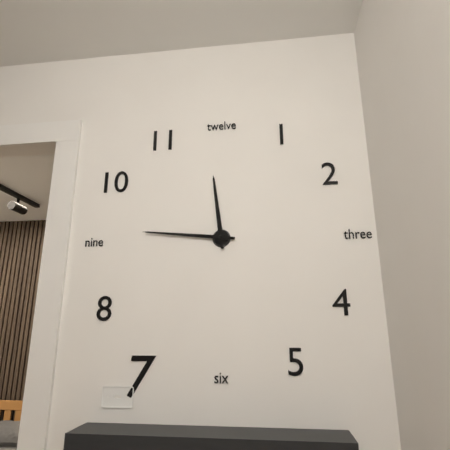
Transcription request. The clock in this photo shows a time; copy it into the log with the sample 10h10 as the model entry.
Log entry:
11h46
